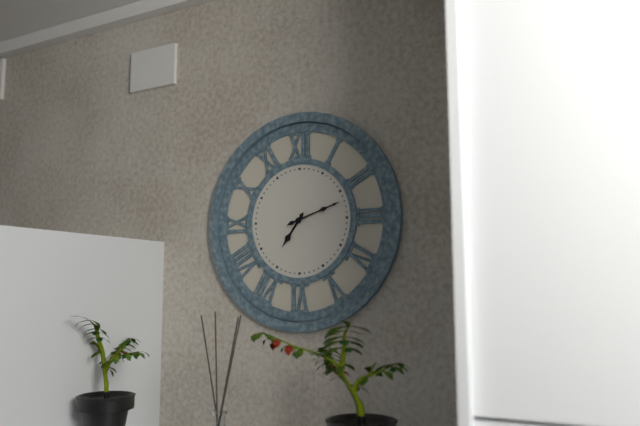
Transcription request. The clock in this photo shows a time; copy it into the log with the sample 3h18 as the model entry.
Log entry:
7h12
